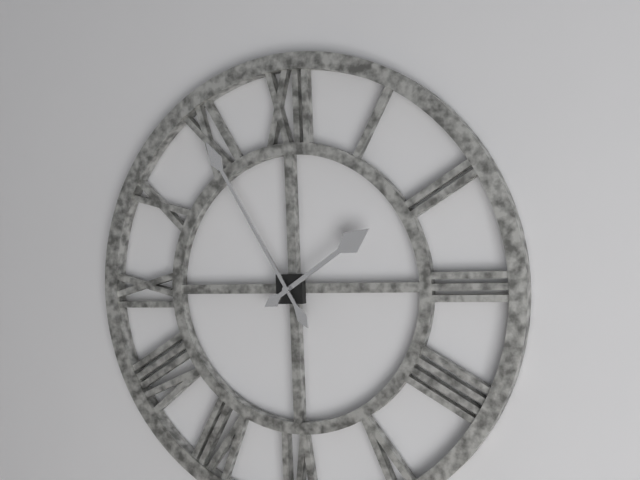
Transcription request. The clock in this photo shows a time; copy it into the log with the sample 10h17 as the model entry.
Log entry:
1h55
